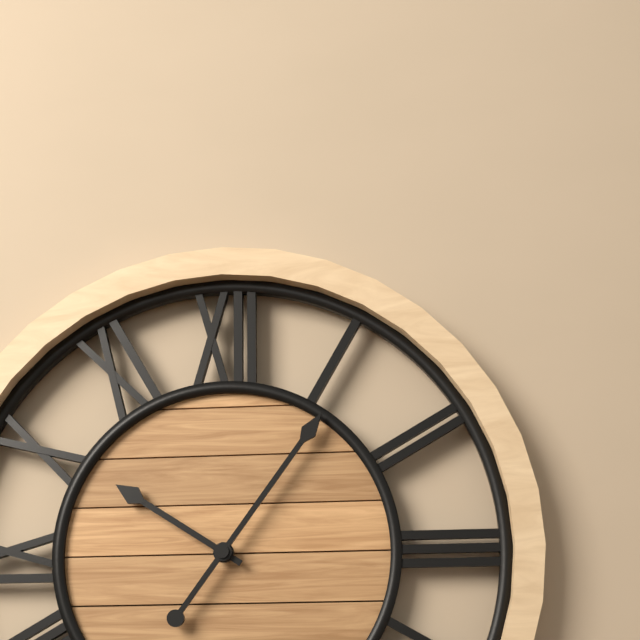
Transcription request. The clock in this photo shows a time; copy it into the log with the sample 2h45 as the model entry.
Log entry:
10h06
